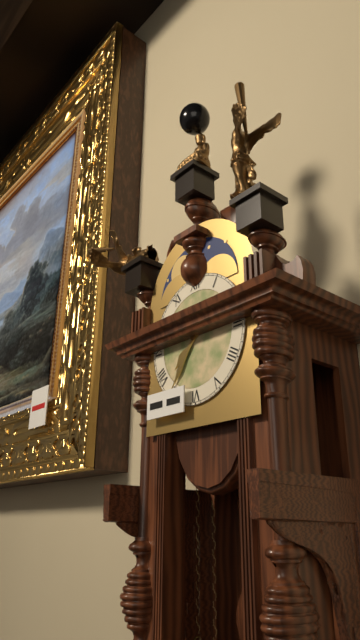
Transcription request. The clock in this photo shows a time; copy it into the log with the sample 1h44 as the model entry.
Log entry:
7h36
